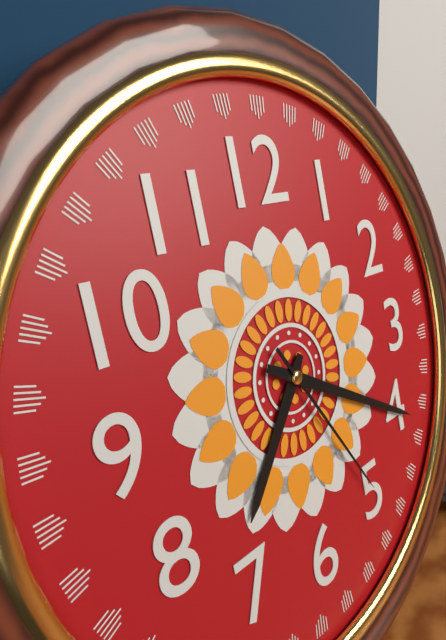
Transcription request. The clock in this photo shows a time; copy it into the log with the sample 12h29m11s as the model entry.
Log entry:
7h20m25s
